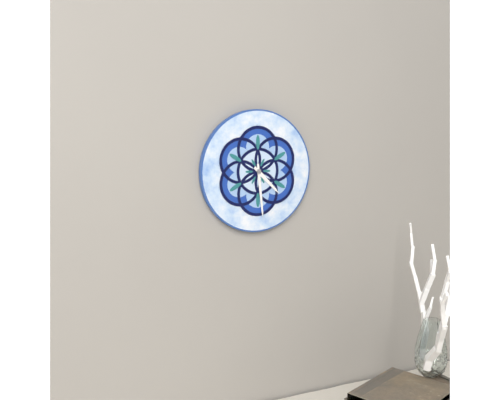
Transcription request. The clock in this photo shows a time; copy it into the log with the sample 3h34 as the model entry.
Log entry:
4h29
